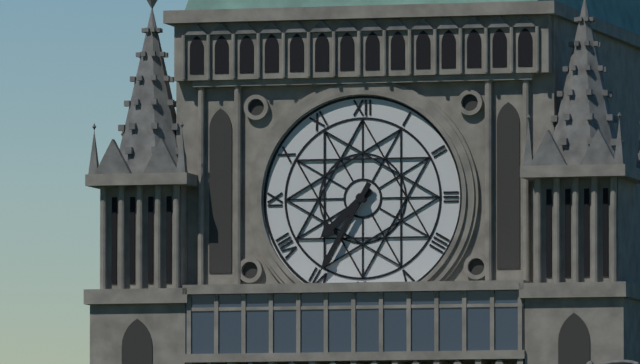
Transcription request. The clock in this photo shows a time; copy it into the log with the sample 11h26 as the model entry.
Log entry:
7h35
